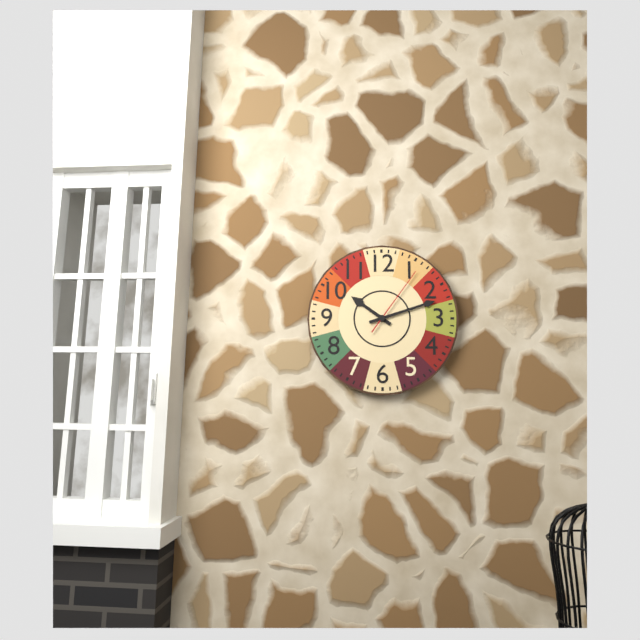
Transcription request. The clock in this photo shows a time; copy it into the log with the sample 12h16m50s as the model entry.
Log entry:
10h12m06s
